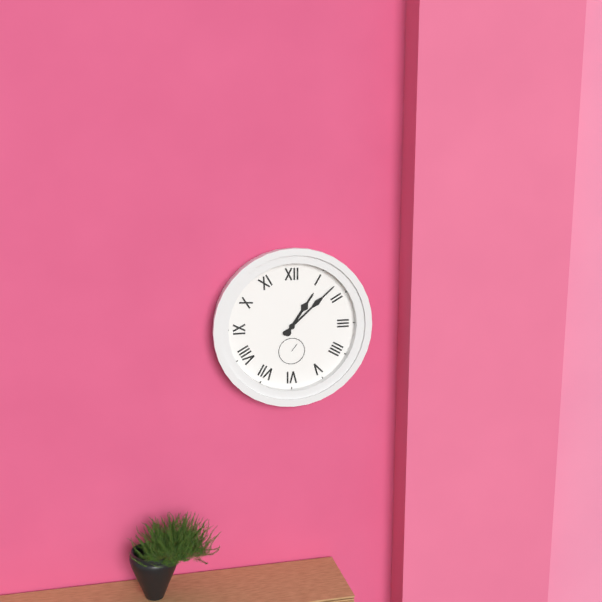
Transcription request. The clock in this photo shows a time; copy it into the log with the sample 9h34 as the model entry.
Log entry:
1h08
